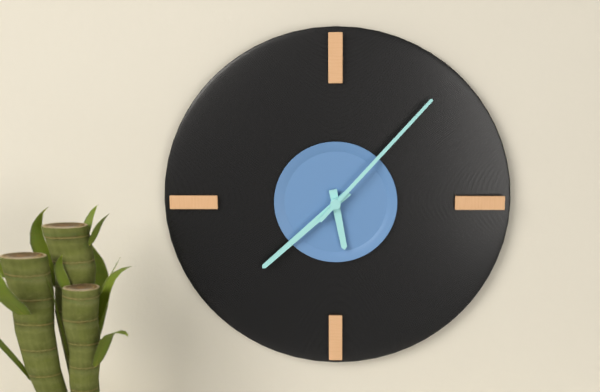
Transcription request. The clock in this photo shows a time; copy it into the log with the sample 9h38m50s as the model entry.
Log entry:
5h38m07s
